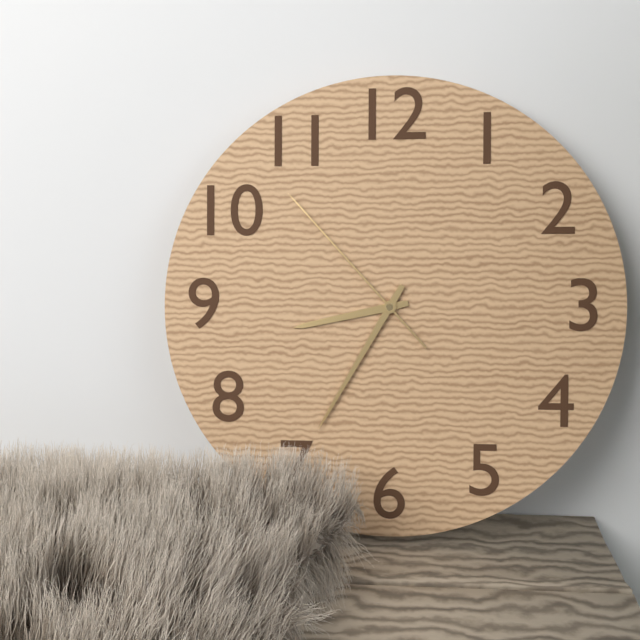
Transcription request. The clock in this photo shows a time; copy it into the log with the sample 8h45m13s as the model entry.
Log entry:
8h35m53s
